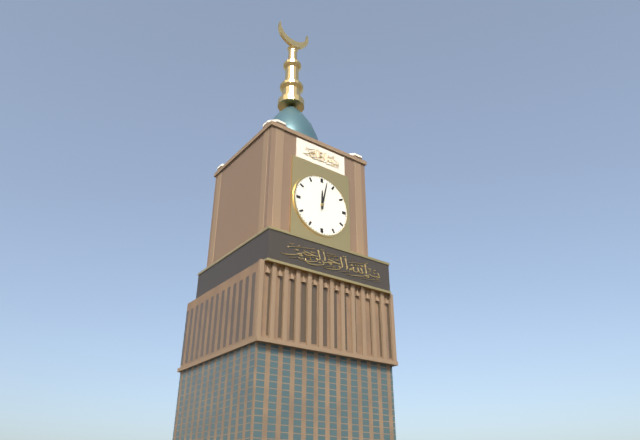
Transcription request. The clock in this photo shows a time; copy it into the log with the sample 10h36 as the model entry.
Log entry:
12h02
